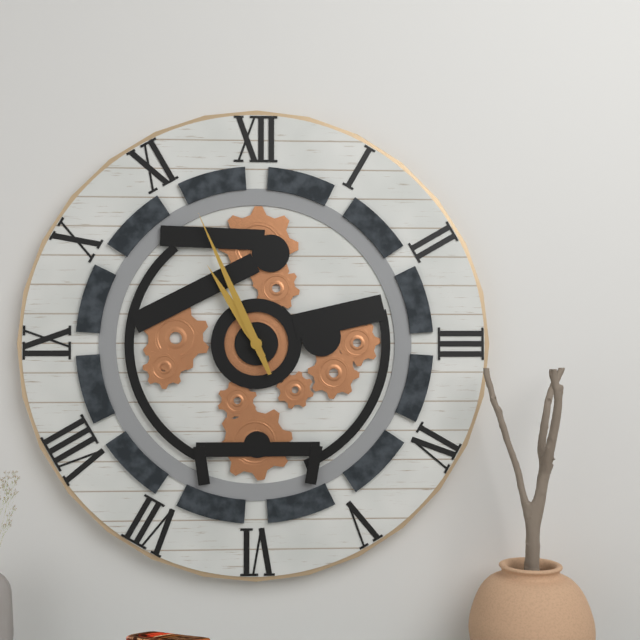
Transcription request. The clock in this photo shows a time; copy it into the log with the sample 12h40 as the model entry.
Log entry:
10h56
